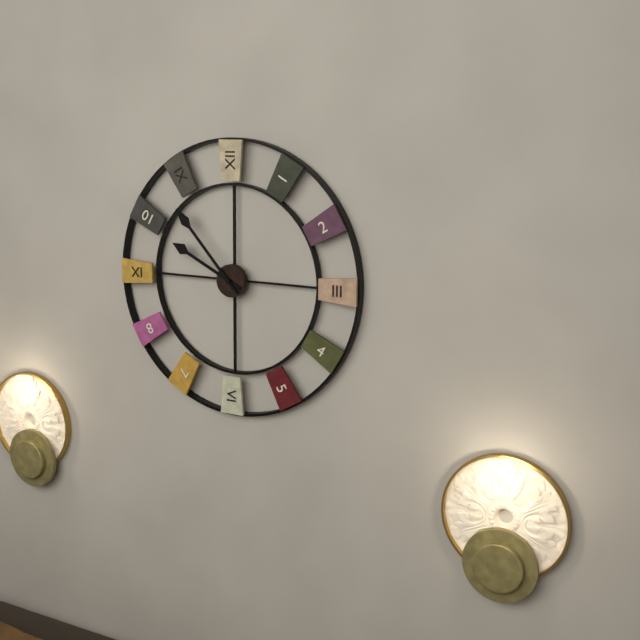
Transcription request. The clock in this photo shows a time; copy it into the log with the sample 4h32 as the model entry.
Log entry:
9h53
